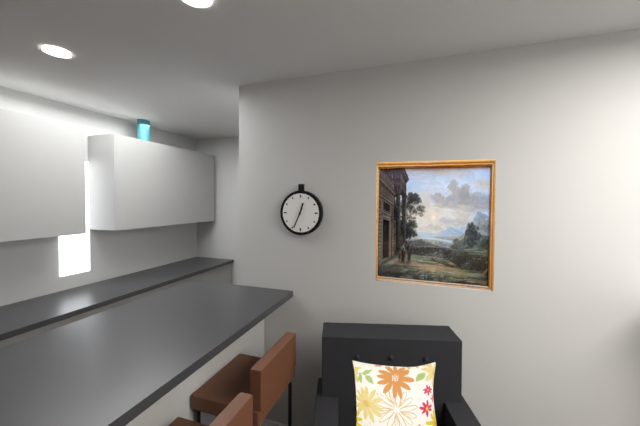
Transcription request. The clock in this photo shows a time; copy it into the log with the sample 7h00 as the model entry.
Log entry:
12h34
